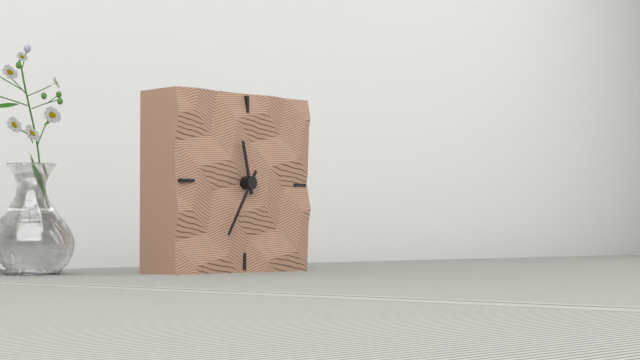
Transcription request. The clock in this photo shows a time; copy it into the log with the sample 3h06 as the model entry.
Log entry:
11h35
